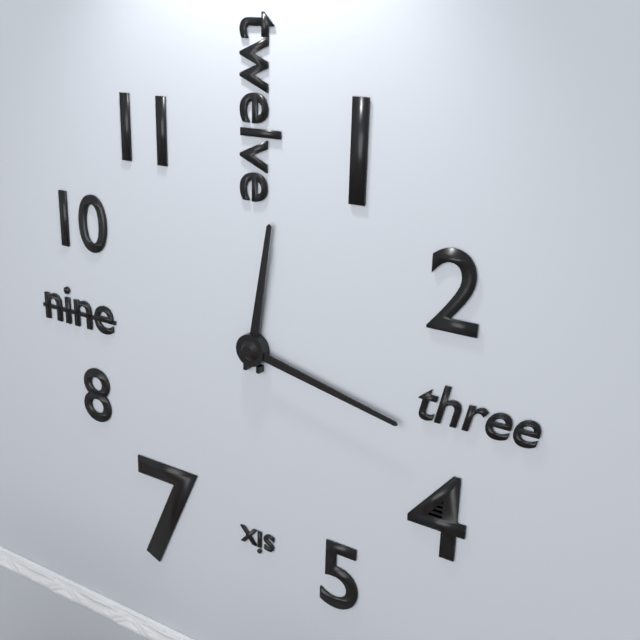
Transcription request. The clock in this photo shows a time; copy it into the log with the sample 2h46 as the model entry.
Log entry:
12h17
